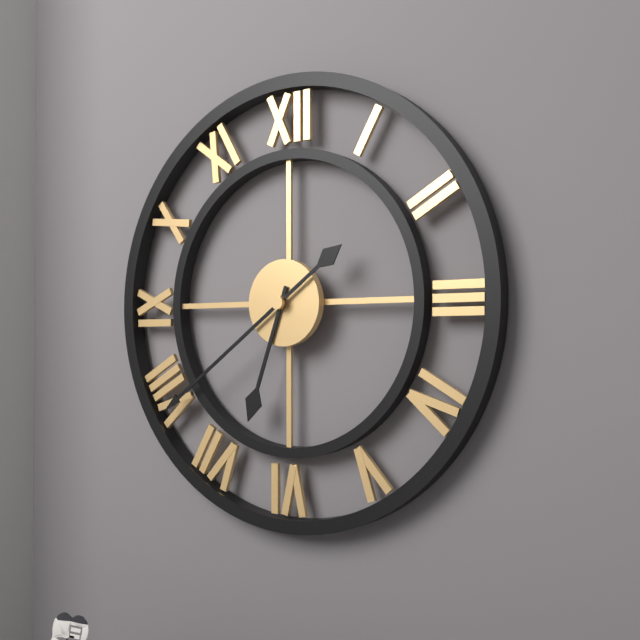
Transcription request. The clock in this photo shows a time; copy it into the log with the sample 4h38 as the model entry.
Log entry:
6h39
